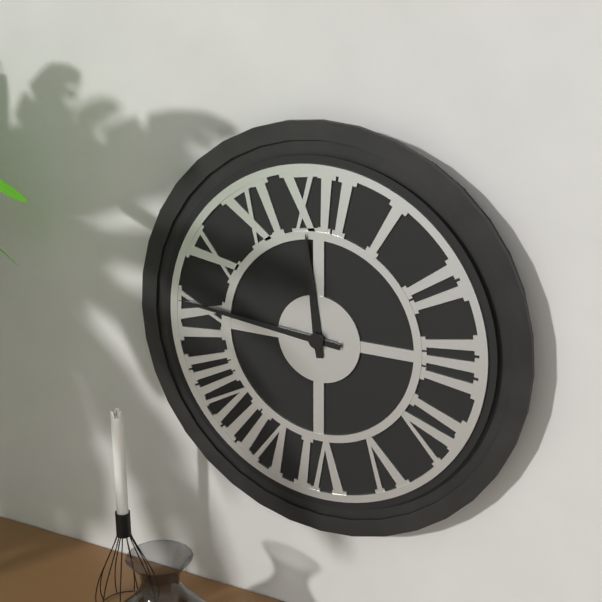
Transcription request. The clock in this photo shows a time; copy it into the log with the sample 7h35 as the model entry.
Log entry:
11h46
